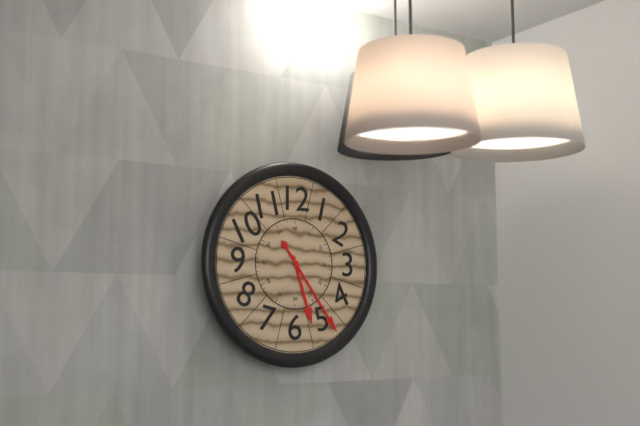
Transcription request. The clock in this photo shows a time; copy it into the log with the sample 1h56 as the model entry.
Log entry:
5h24
